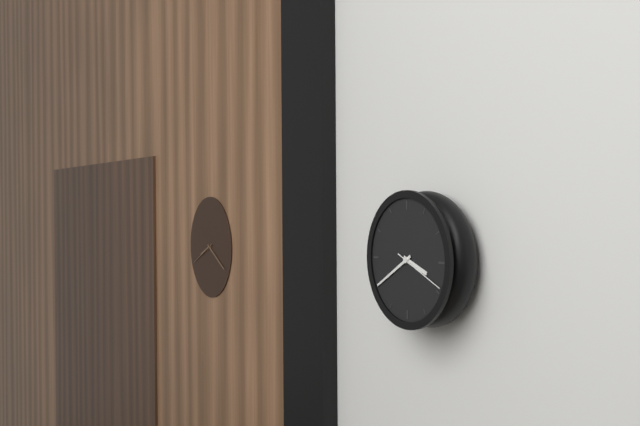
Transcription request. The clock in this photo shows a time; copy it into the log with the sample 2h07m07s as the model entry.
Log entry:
3h40m19s
